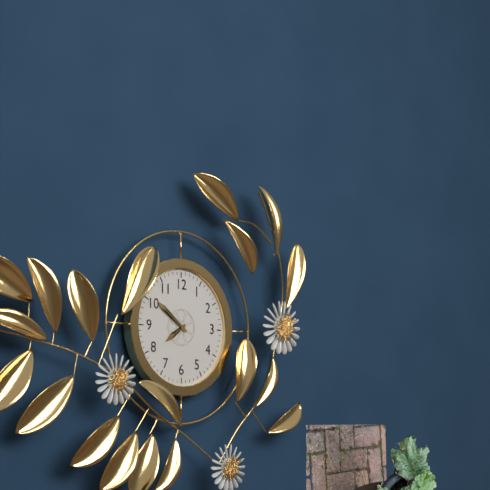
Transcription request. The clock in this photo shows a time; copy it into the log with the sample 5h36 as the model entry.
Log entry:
7h51
